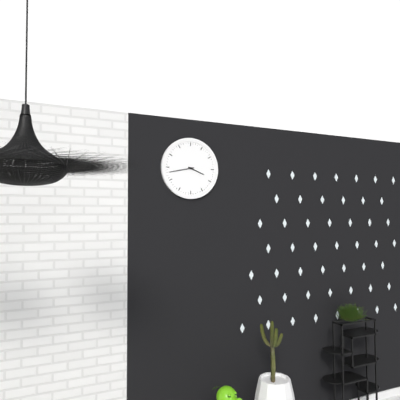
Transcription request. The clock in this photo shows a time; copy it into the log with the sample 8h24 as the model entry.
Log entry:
3h43
